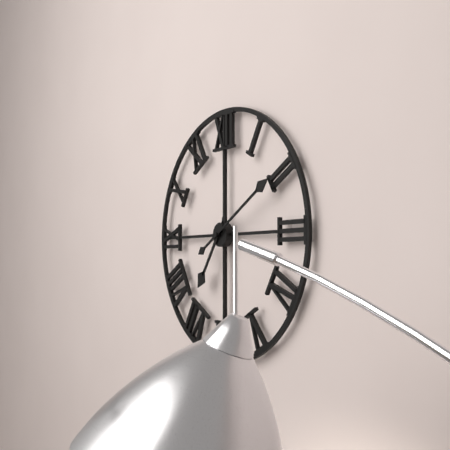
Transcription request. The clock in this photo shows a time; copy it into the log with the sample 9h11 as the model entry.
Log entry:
7h10
